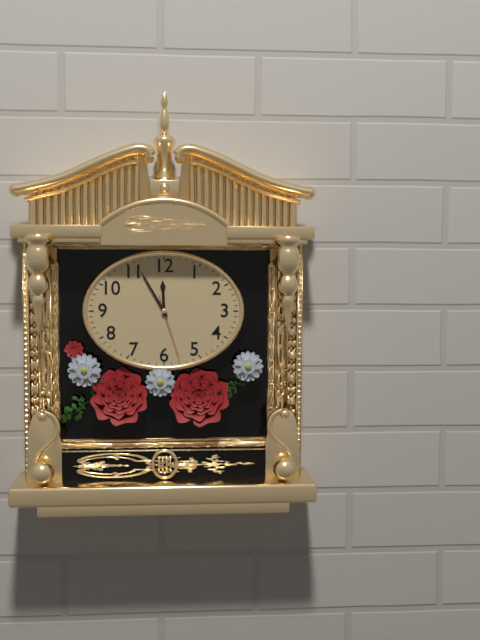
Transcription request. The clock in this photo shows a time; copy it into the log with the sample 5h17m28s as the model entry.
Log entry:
11h55m27s
